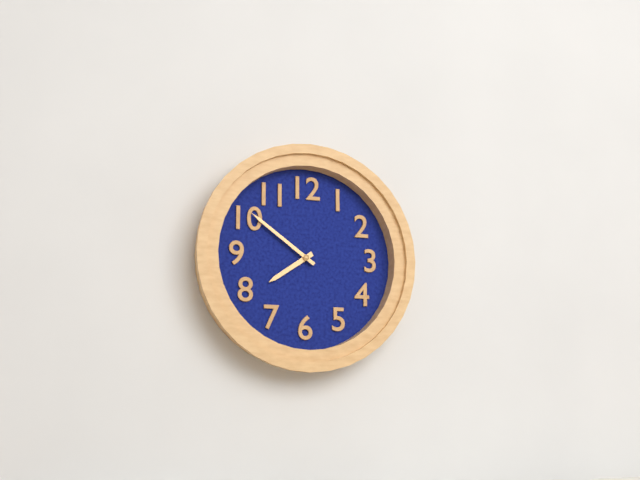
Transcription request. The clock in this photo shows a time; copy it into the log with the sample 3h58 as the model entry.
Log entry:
7h51
